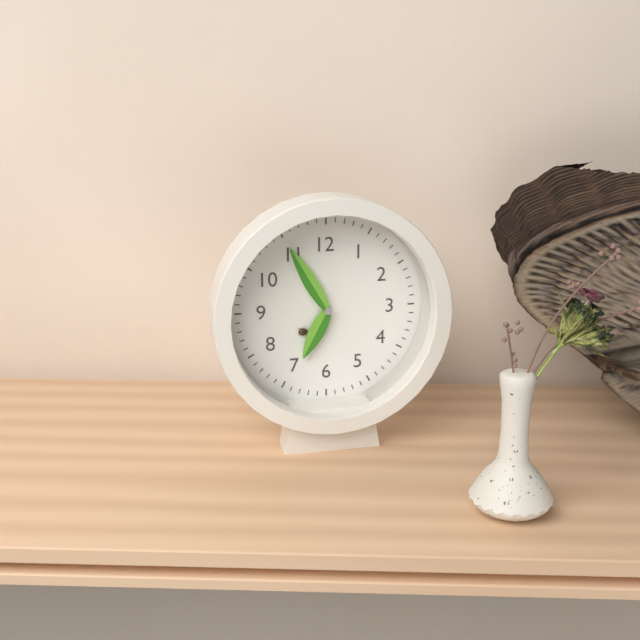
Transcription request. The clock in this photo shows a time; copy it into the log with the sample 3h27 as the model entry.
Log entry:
6h55
